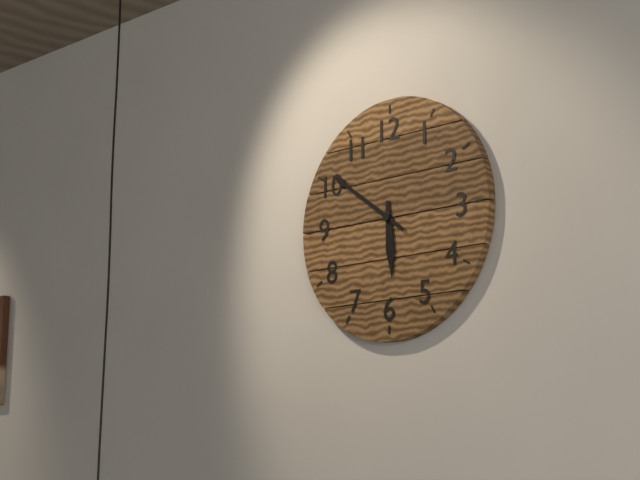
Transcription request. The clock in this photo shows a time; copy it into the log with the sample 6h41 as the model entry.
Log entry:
5h51
